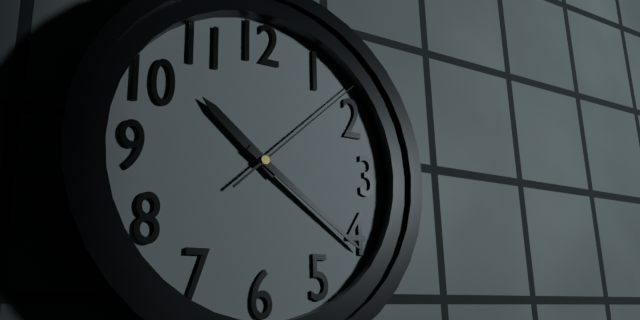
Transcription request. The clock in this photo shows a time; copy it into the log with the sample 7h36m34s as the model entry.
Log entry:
10h21m08s
